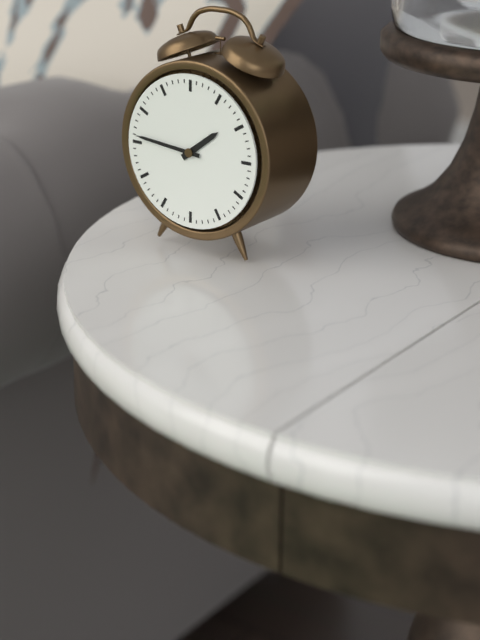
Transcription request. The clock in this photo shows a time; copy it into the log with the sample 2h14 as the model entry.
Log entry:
1h46
